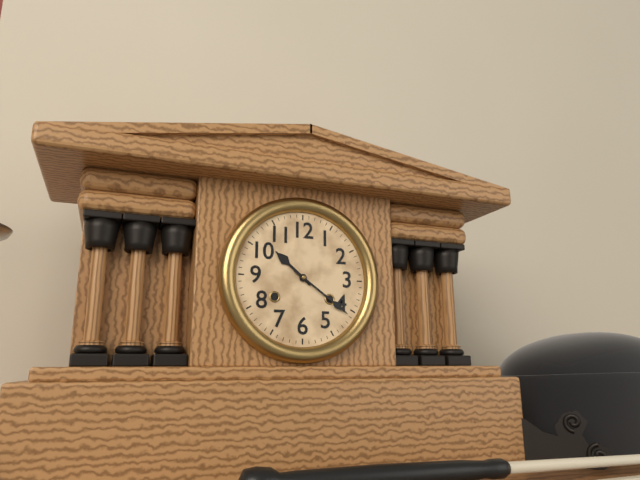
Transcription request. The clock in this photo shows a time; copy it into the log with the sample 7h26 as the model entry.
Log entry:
10h21
